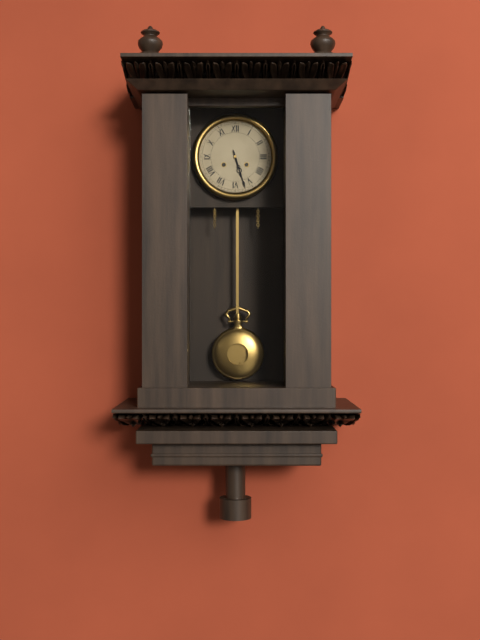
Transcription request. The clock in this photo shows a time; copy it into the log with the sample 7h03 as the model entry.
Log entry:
5h27
